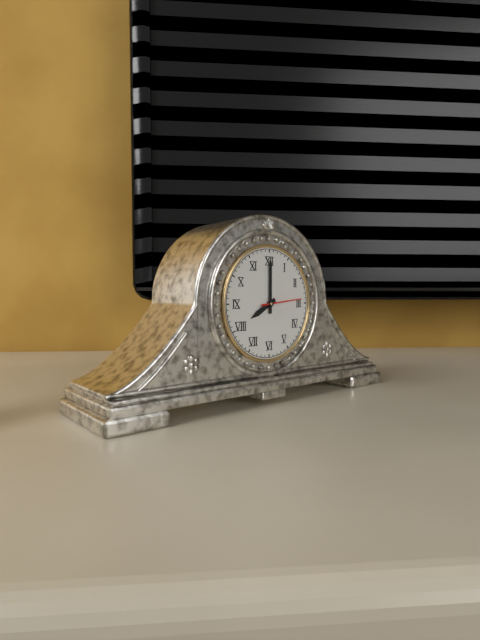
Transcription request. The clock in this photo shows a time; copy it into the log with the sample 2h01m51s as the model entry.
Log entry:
8h00m14s
